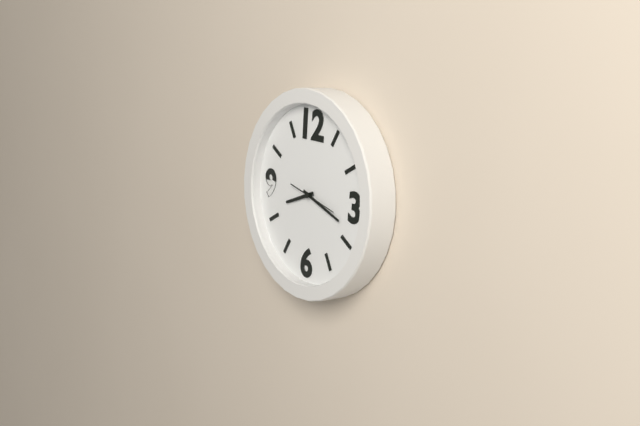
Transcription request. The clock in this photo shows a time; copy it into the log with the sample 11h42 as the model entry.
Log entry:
8h18
